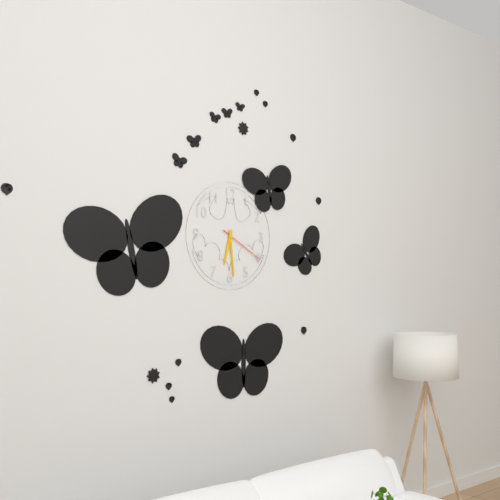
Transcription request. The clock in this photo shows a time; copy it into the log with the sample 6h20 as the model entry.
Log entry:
6h29
